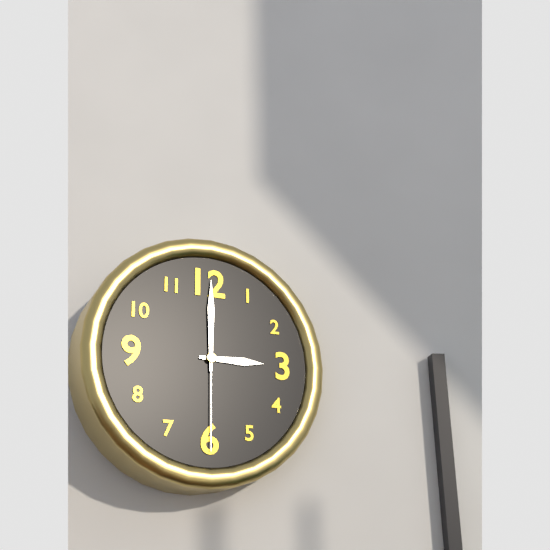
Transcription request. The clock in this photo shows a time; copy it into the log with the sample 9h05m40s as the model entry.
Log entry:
3h00m30s
